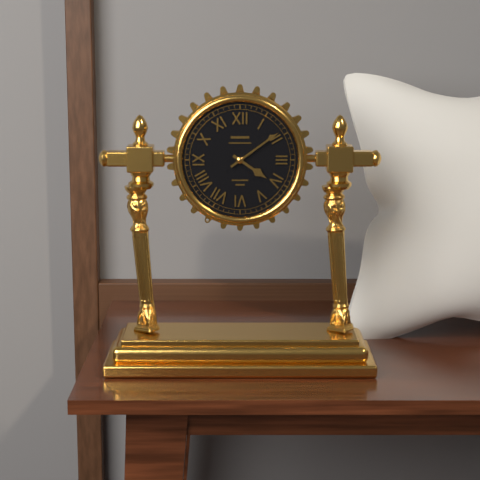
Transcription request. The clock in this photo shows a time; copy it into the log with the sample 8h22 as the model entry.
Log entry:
4h09
